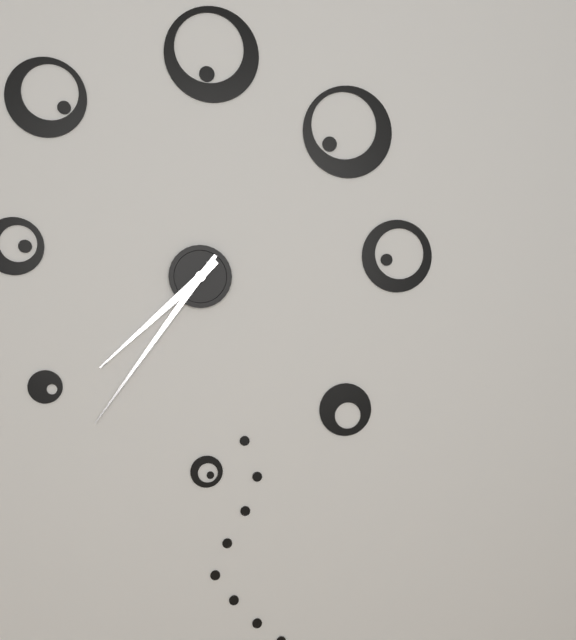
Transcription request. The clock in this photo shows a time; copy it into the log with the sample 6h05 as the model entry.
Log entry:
7h36
